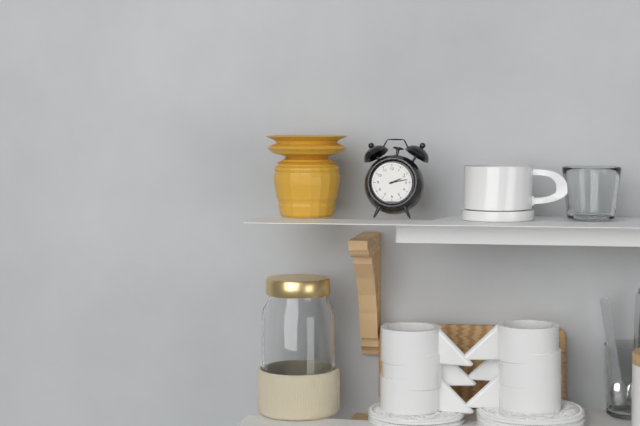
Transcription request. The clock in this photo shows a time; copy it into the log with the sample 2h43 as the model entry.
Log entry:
2h13
